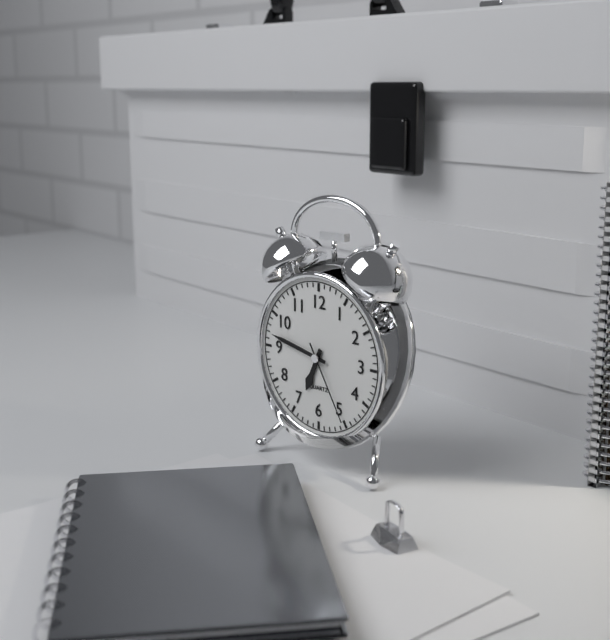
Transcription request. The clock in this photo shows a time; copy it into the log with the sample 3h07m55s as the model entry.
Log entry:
6h47m25s
